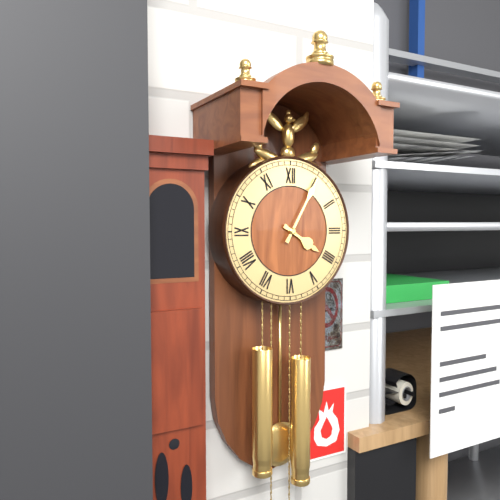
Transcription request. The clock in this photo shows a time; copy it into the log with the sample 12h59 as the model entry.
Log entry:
4h05
